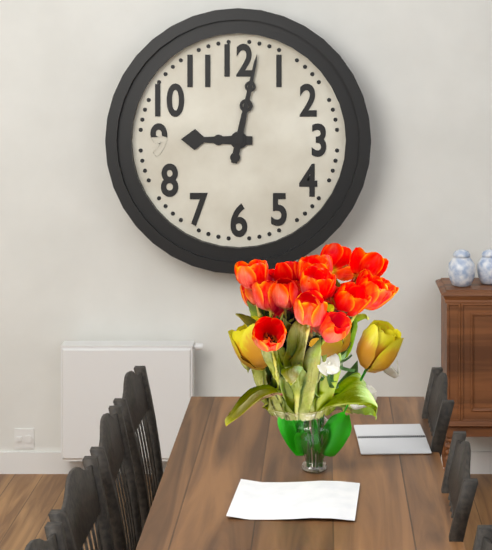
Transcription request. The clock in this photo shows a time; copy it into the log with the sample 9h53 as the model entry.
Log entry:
9h02
